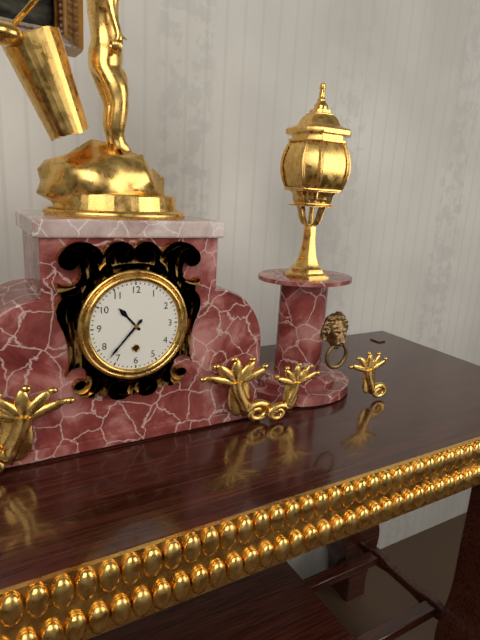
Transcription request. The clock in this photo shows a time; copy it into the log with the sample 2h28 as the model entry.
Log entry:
10h37
